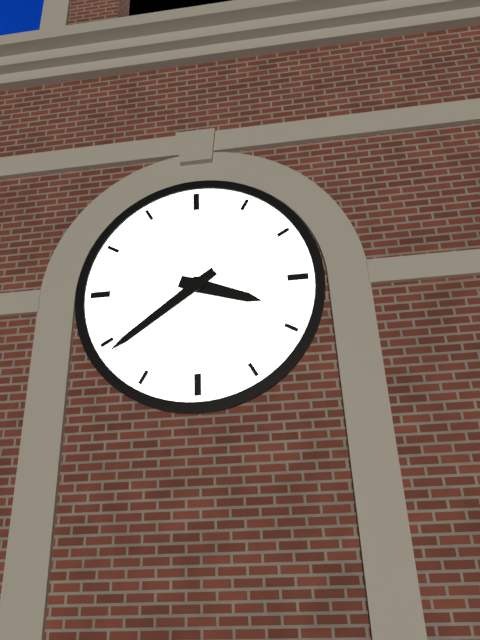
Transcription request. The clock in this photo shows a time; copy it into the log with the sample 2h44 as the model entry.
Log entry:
3h39
